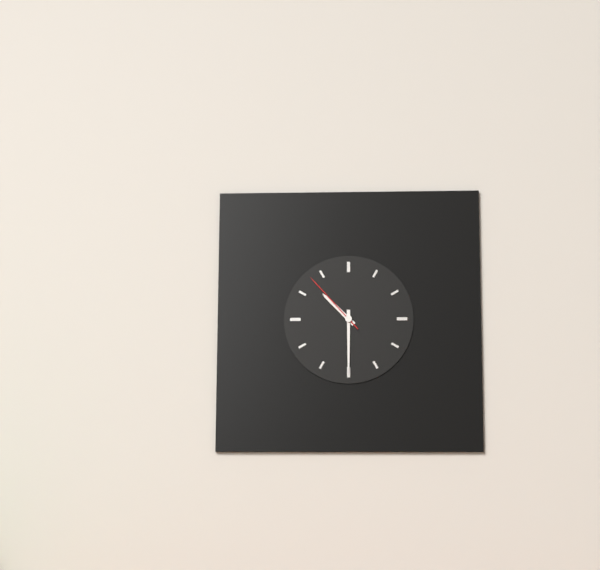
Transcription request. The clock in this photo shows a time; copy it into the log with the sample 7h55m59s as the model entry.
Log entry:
10h30m53s
